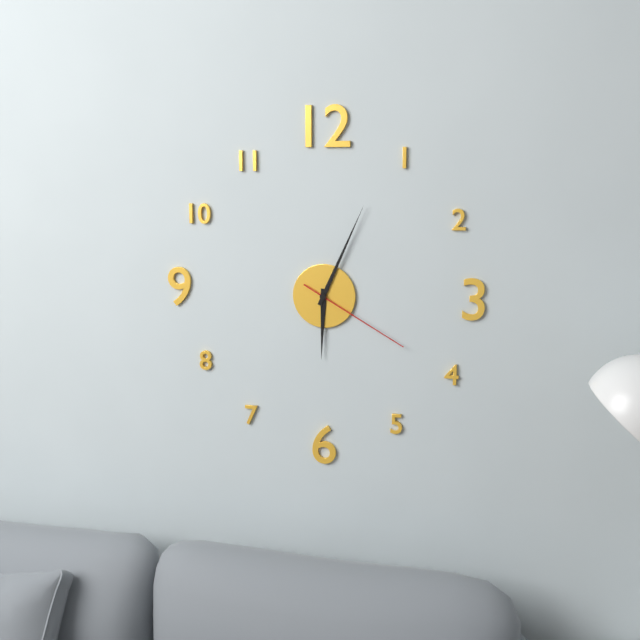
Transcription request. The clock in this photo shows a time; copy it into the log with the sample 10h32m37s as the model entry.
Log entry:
6h04m20s
